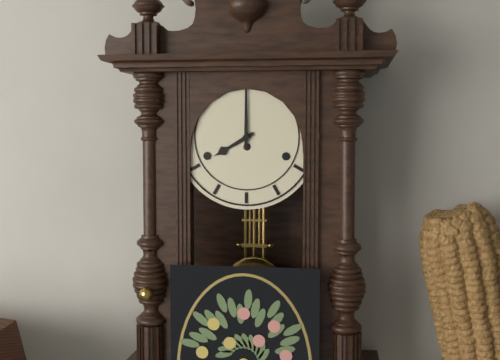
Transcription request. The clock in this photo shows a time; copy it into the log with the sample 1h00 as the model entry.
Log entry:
8h00
